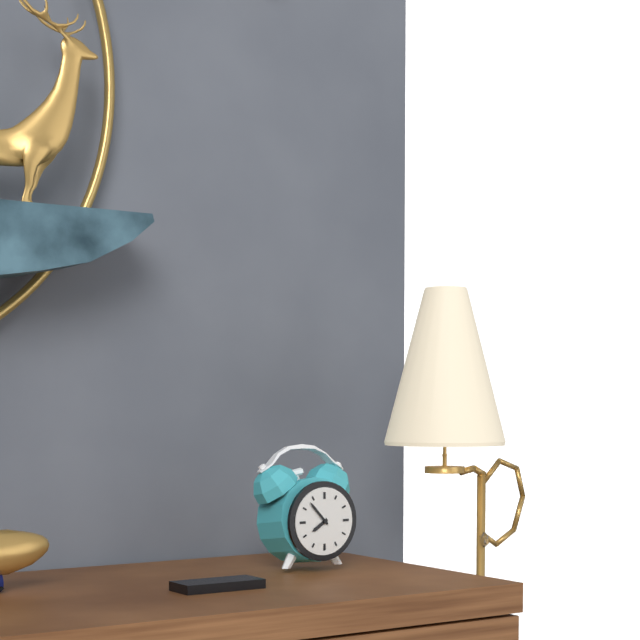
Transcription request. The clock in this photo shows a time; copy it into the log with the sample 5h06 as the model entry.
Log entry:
7h53
